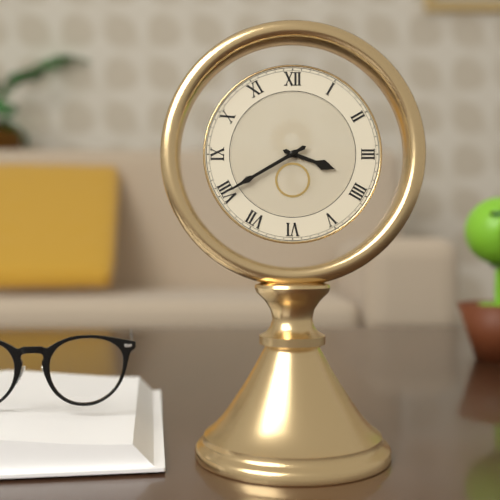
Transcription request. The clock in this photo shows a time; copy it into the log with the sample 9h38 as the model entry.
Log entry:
3h40
